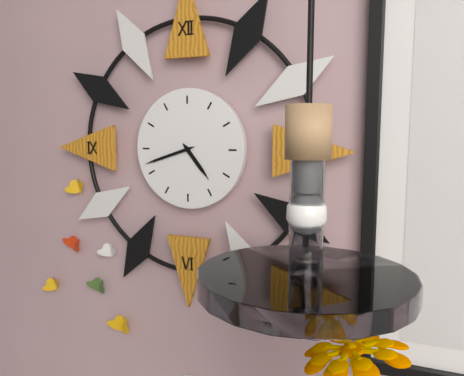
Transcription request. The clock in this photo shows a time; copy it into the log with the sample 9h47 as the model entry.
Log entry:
4h42
